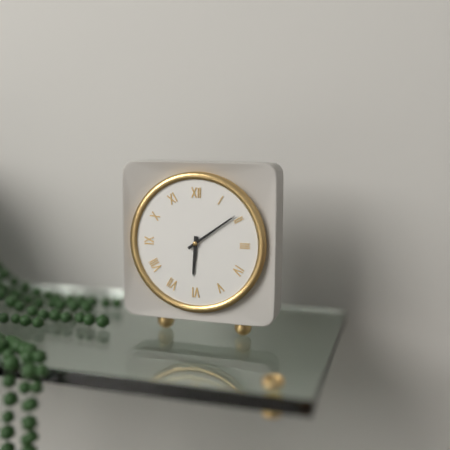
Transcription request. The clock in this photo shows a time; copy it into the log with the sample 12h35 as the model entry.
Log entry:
6h09
